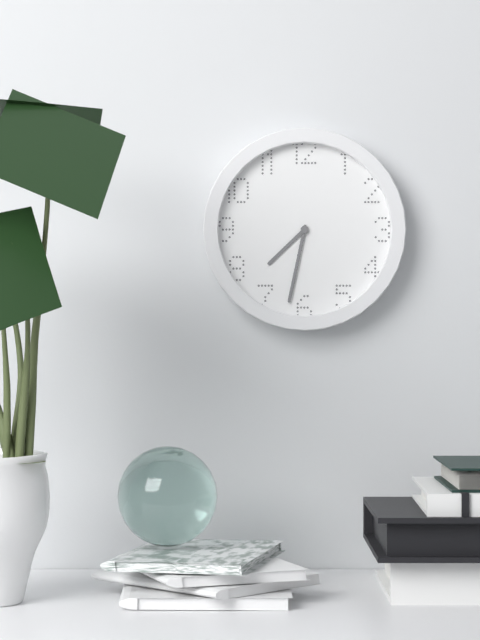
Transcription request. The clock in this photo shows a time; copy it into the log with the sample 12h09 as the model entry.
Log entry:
7h32
